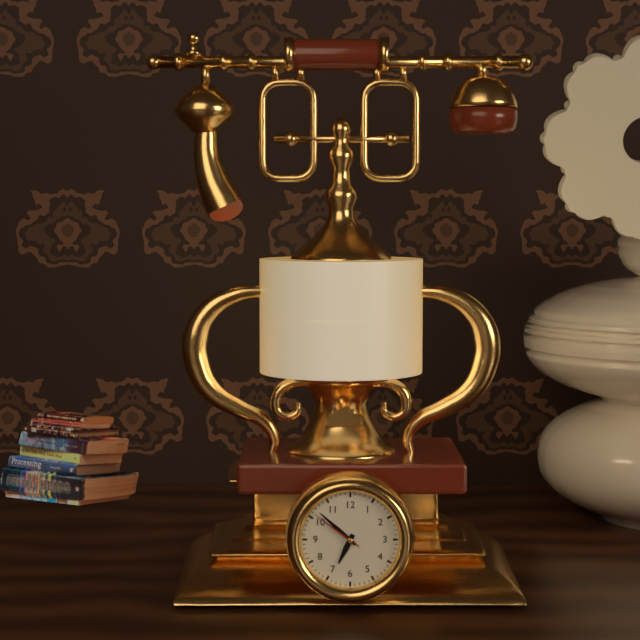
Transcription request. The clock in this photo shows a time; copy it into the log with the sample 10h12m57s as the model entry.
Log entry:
6h52m51s
